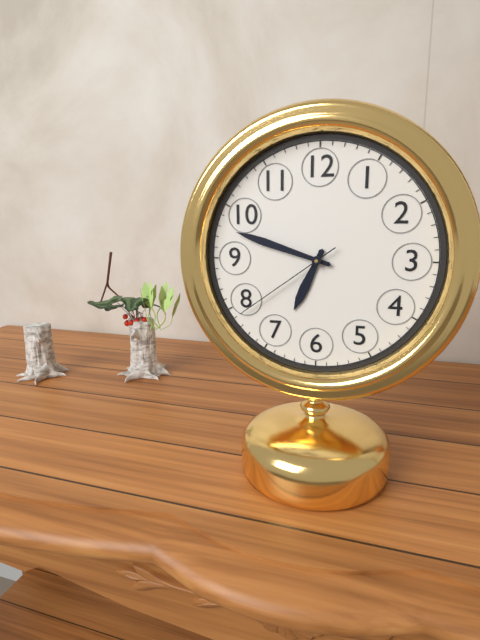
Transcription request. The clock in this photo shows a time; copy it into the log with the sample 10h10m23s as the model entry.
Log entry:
6h48m39s
